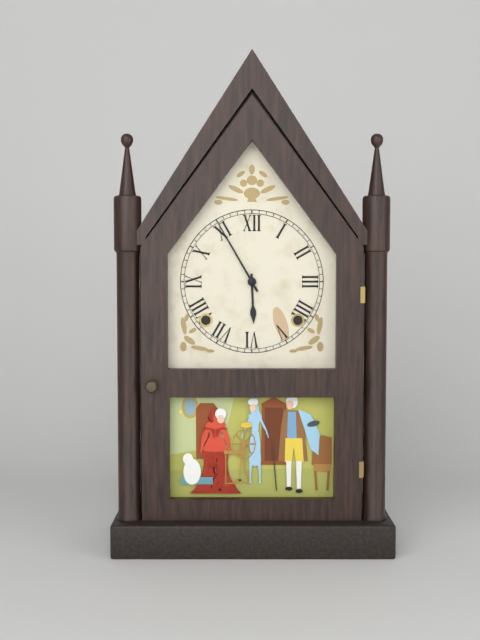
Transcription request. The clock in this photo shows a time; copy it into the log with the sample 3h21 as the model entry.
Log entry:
5h55
